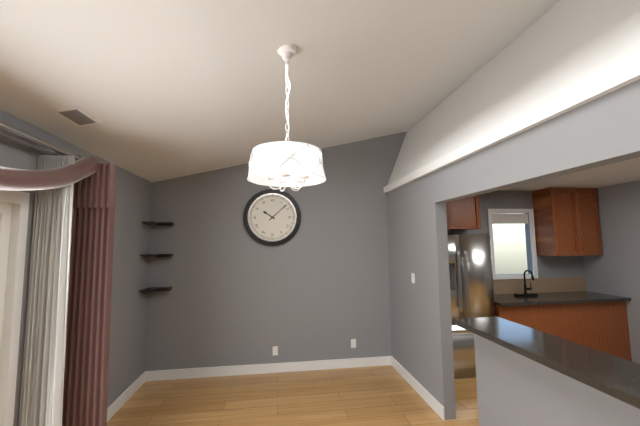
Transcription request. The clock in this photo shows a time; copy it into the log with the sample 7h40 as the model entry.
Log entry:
10h08
